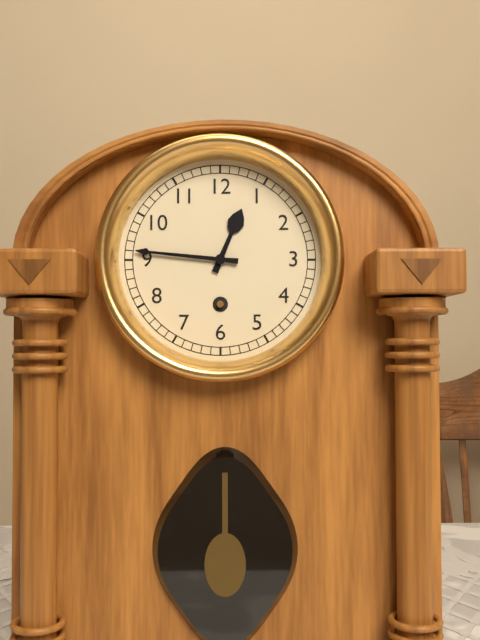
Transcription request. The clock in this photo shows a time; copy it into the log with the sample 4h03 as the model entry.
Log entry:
12h46
